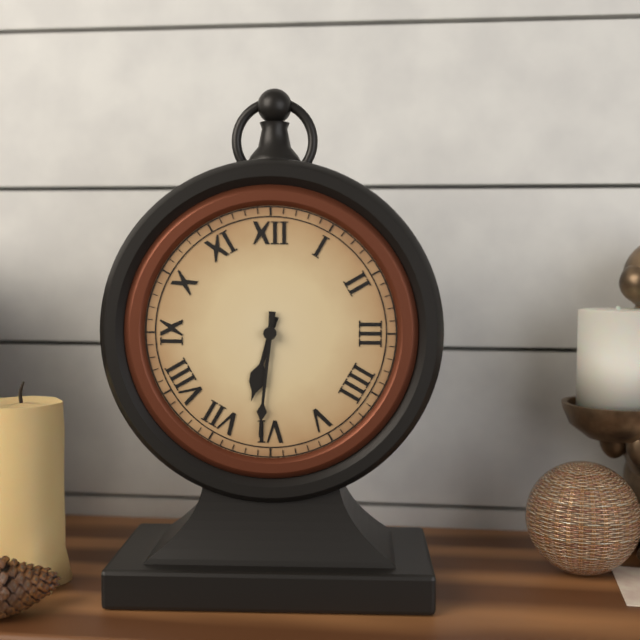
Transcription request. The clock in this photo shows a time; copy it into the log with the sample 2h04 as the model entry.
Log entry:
6h31
